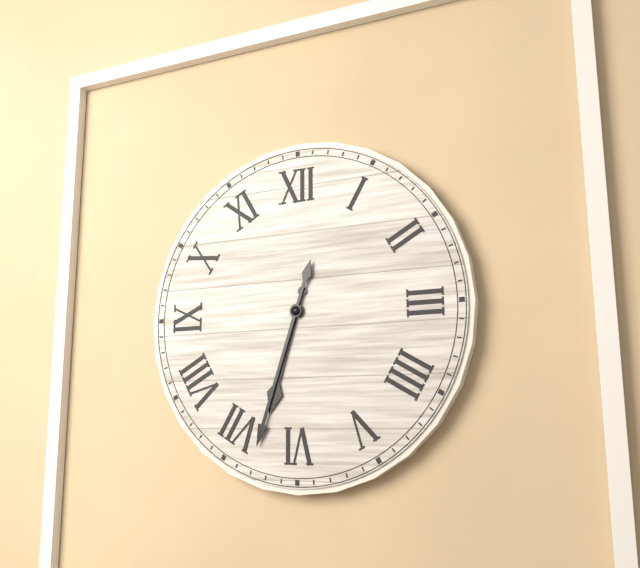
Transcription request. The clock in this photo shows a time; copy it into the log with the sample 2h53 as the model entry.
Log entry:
6h33
